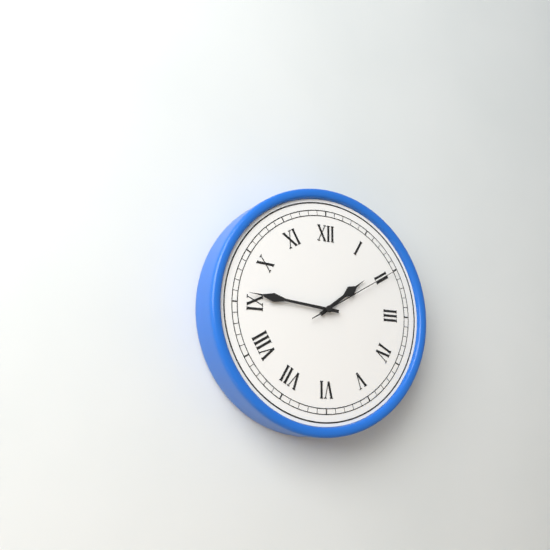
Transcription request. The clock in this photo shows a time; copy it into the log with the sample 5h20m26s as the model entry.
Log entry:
1h46m10s
